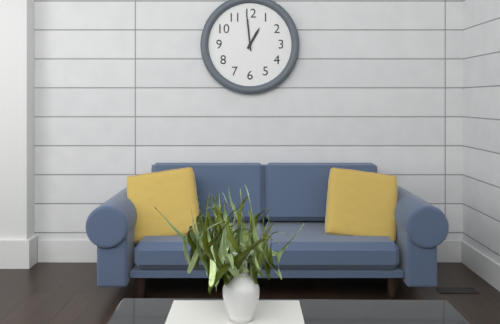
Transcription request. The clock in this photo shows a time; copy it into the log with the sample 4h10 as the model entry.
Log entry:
12h59
